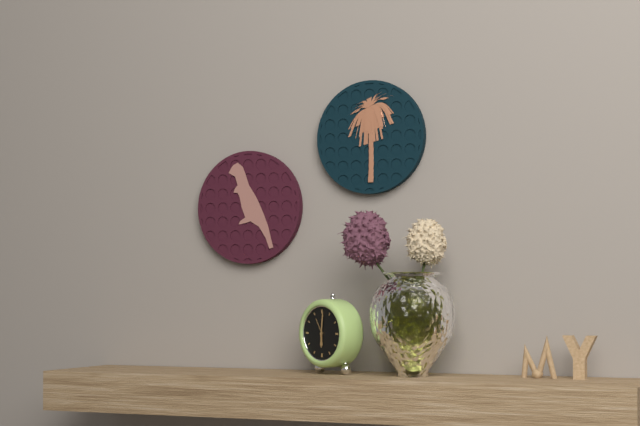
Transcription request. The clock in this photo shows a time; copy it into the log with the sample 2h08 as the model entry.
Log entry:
6h01
